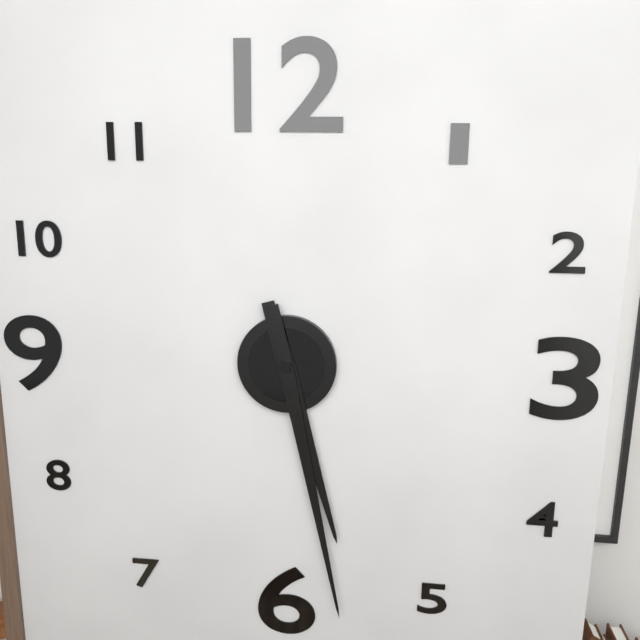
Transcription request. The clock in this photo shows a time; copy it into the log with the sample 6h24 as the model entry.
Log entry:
5h28
